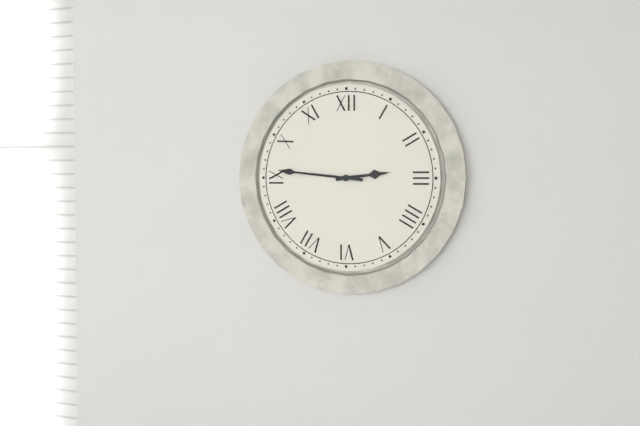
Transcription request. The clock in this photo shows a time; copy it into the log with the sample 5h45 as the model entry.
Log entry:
2h46
